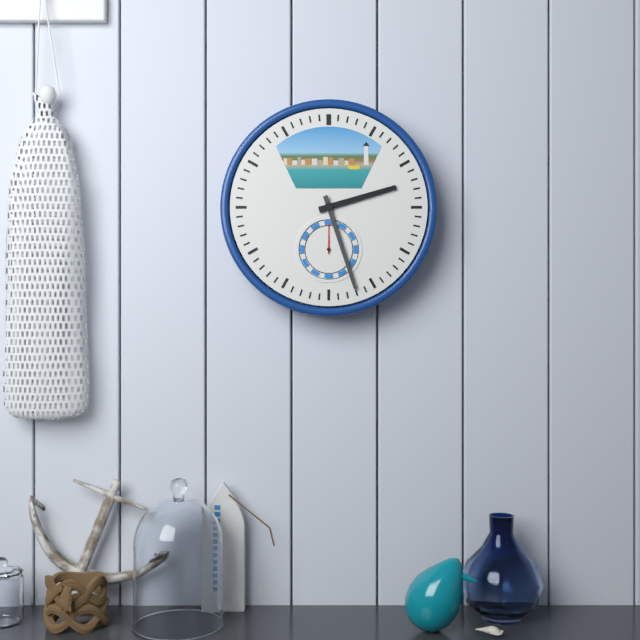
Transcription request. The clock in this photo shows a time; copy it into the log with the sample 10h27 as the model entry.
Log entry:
2h27
